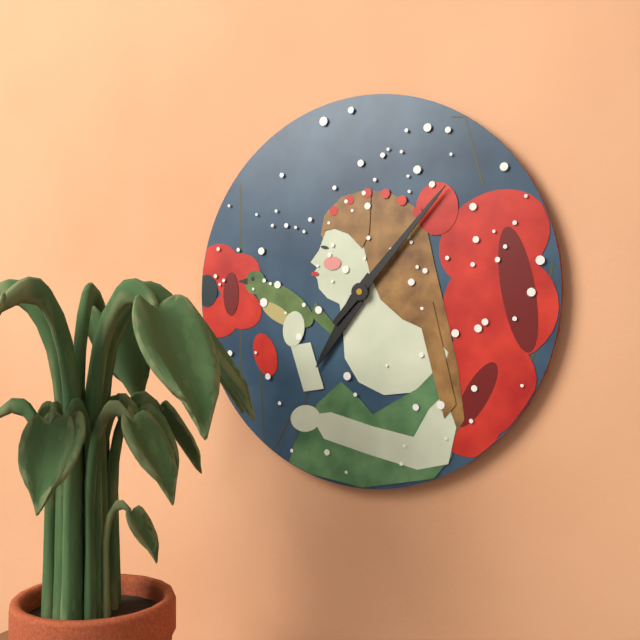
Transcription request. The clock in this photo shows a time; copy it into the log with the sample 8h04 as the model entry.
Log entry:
7h07
